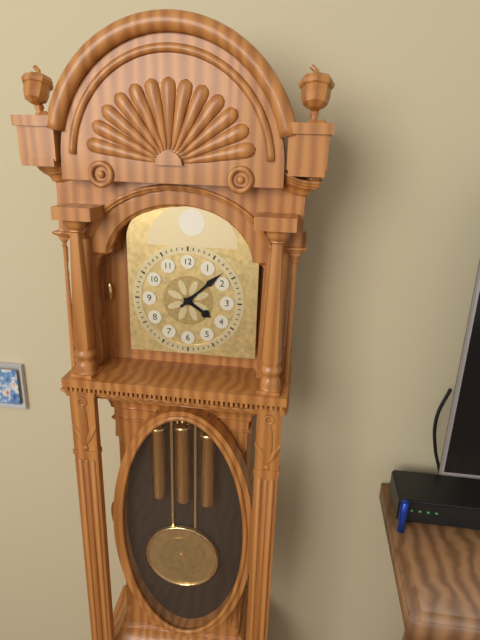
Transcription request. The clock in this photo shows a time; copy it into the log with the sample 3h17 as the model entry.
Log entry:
4h08
